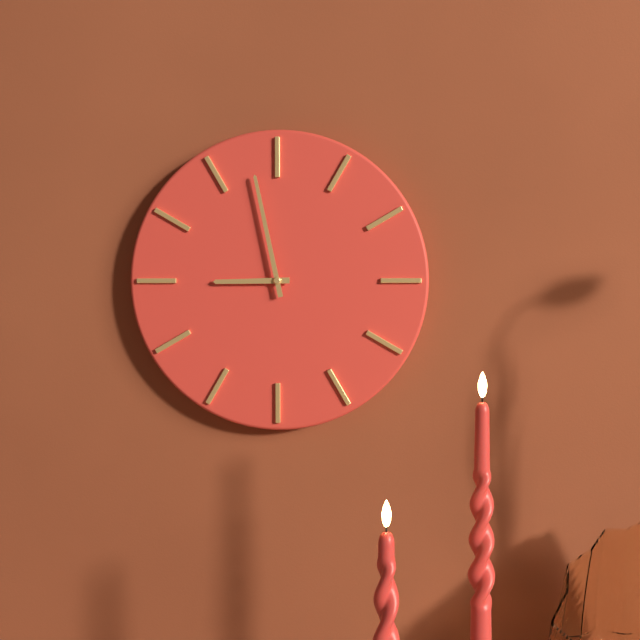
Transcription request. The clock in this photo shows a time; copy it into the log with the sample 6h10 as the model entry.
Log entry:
8h58
